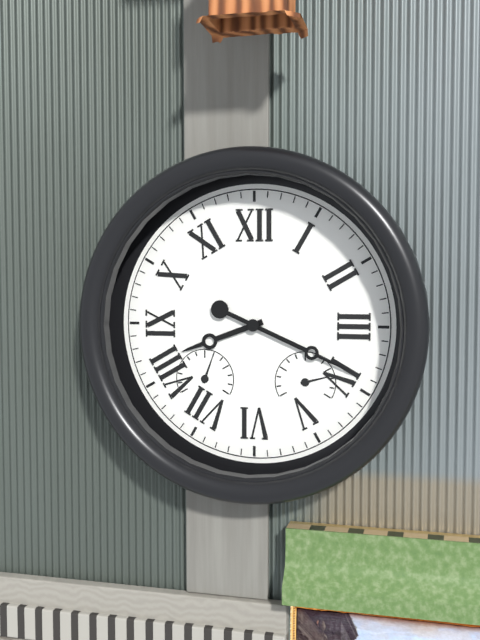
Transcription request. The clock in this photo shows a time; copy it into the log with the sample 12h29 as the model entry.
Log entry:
8h19
